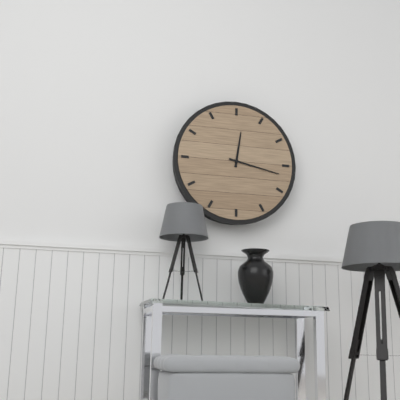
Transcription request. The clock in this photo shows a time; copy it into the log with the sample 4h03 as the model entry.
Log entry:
12h17
